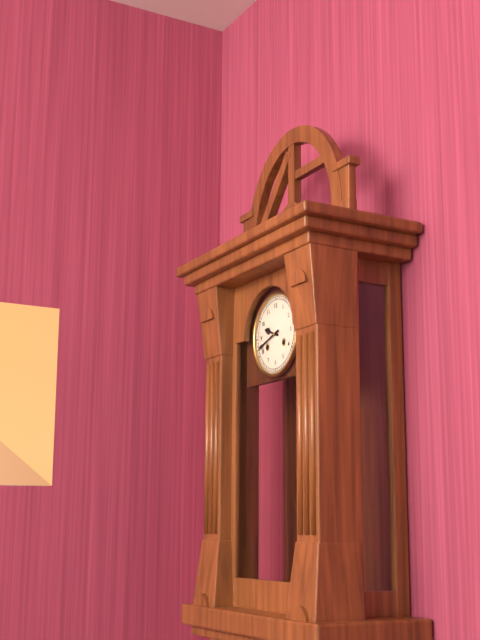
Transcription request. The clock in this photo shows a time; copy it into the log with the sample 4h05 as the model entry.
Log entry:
9h42
